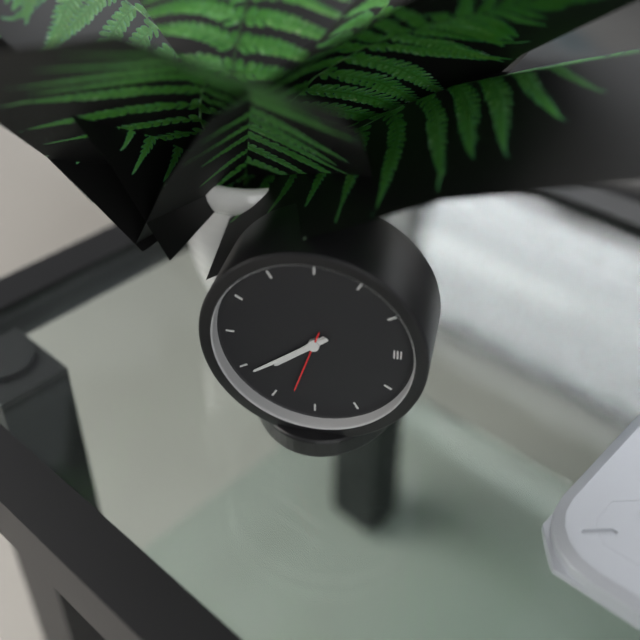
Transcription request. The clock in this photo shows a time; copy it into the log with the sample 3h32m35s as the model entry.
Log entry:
7h39m33s
